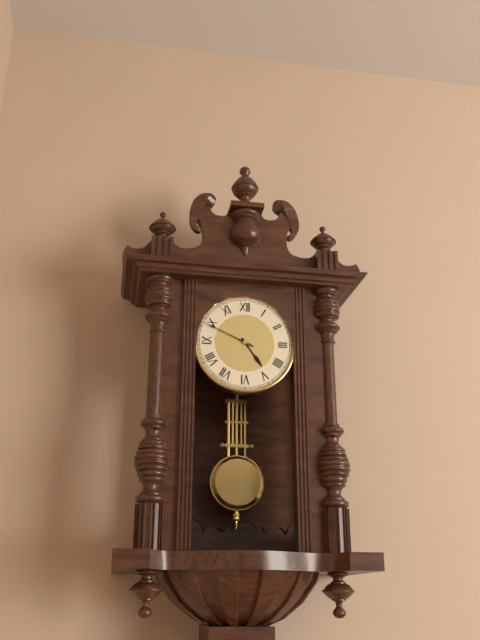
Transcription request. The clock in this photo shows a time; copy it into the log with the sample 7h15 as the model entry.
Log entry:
4h49
